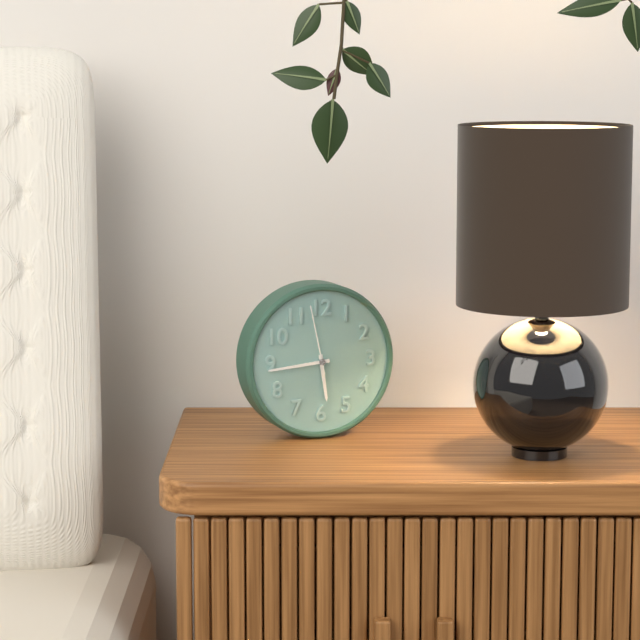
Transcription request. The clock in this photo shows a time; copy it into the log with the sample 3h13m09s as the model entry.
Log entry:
5h44m58s
